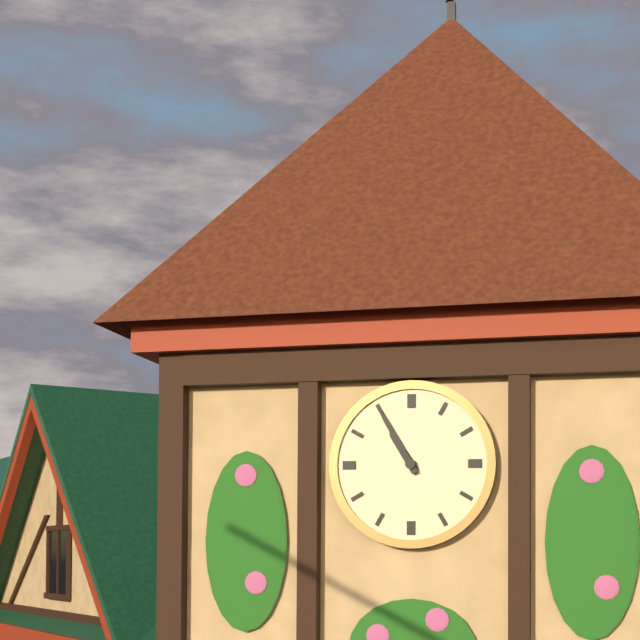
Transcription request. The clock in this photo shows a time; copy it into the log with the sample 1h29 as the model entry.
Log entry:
10h55
